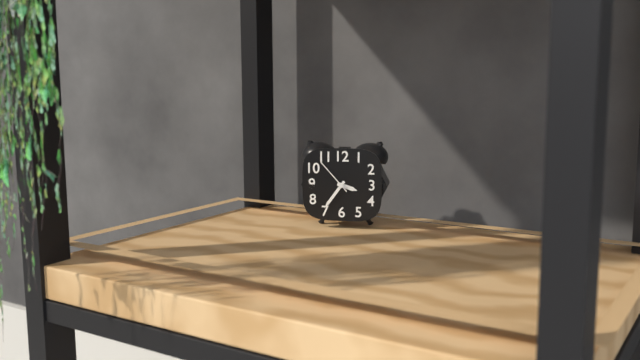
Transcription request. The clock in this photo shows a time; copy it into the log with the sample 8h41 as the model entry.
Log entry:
3h36
